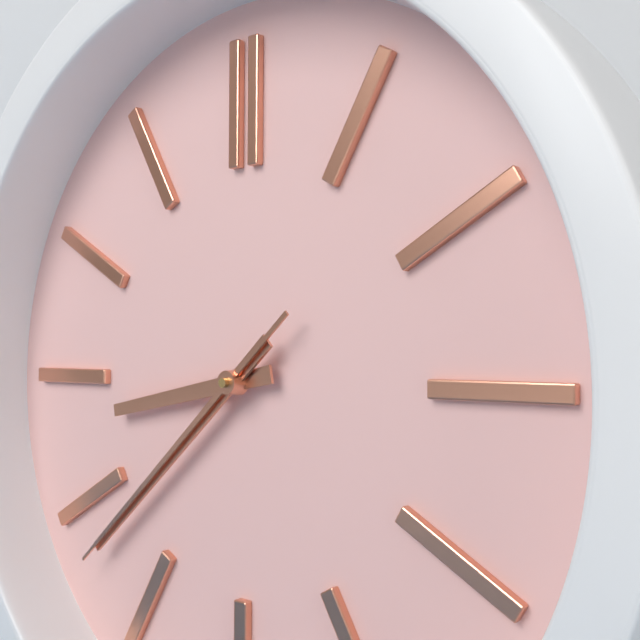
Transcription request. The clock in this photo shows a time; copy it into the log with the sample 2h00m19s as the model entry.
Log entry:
8h38m38s
